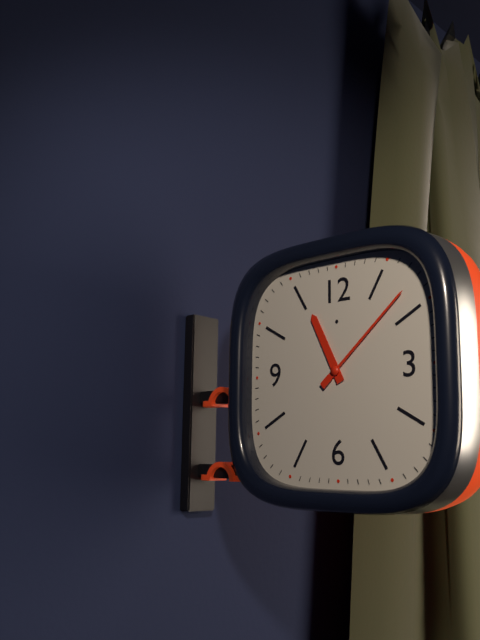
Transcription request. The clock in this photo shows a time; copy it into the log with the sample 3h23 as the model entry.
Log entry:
11h08
